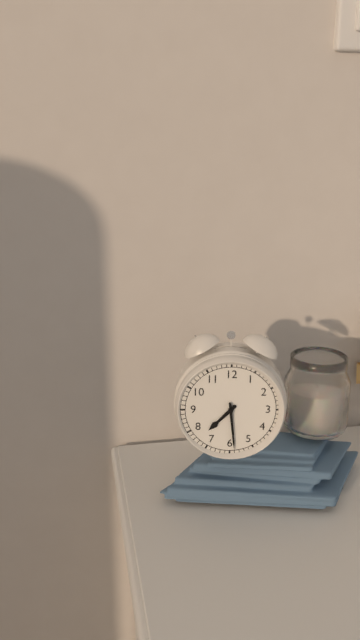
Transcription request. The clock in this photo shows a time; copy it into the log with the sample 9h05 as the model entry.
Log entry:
7h29
